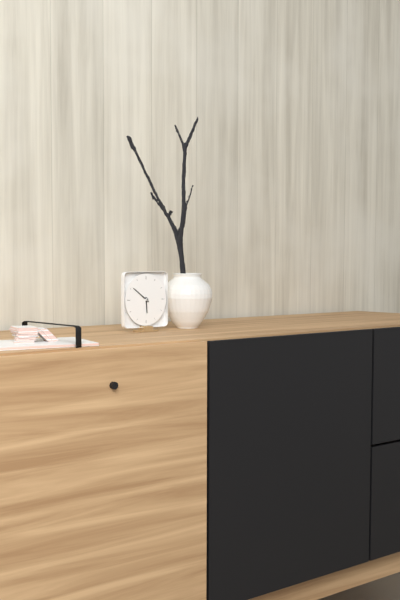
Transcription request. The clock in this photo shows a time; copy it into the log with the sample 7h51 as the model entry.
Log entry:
5h51
